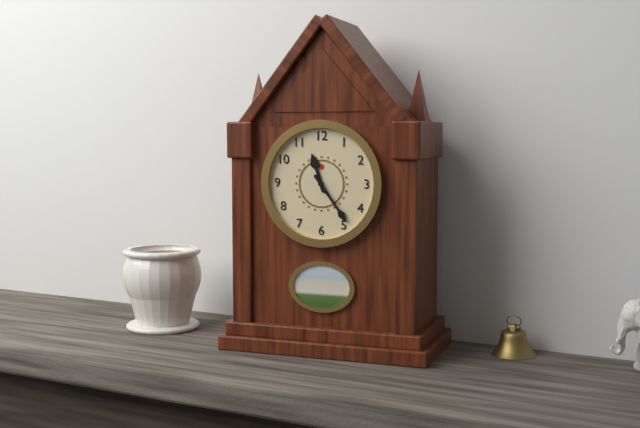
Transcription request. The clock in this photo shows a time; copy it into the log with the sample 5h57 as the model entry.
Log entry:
11h24
